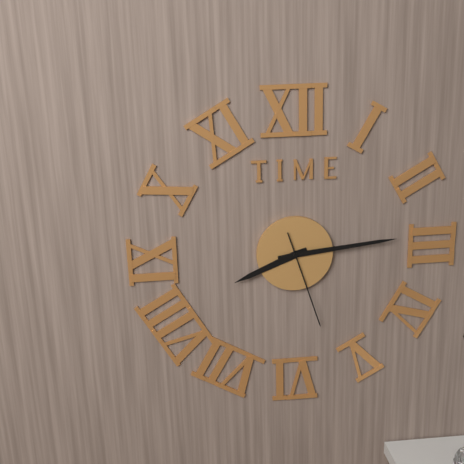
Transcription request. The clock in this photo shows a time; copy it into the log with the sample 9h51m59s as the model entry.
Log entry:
8h14m27s
